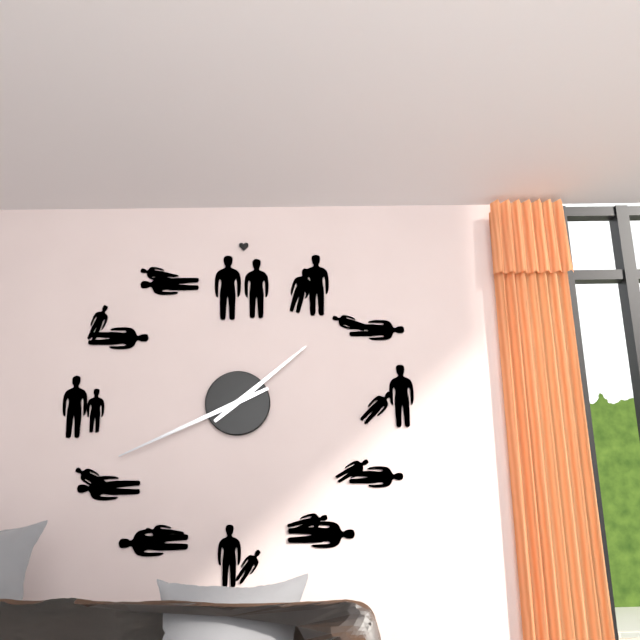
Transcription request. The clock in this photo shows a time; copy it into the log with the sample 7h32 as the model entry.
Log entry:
1h41
